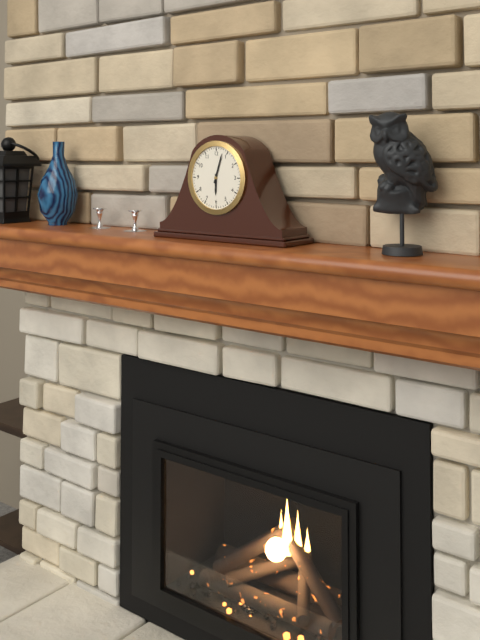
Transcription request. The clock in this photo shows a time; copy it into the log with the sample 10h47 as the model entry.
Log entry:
6h03
